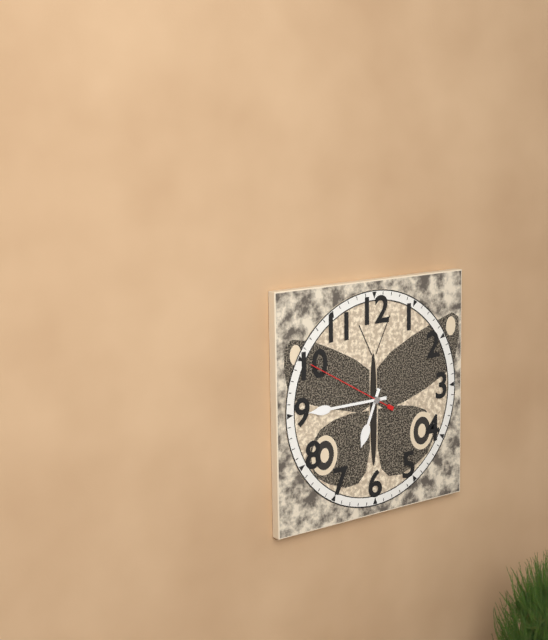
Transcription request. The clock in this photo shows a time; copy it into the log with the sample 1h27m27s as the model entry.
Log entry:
6h45m50s
